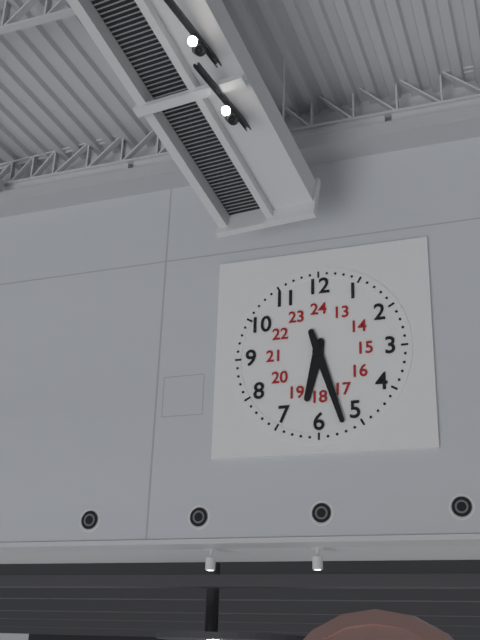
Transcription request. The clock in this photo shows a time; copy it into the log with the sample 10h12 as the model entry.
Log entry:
6h27
